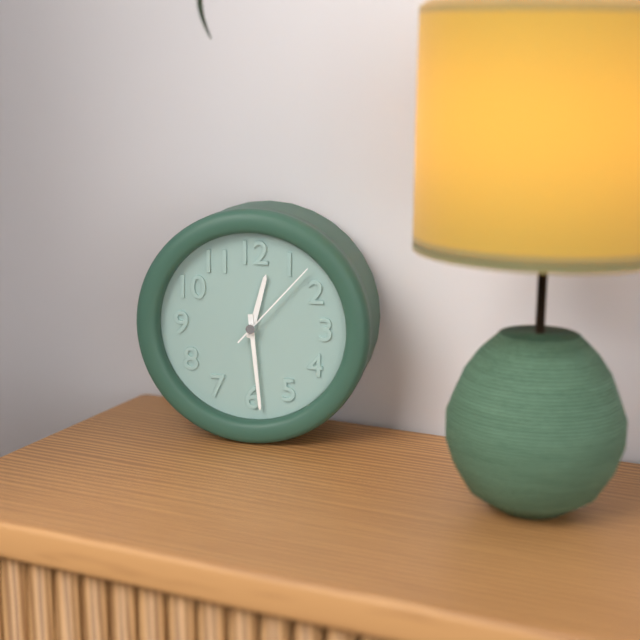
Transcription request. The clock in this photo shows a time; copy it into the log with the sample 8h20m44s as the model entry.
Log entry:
12h29m07s
